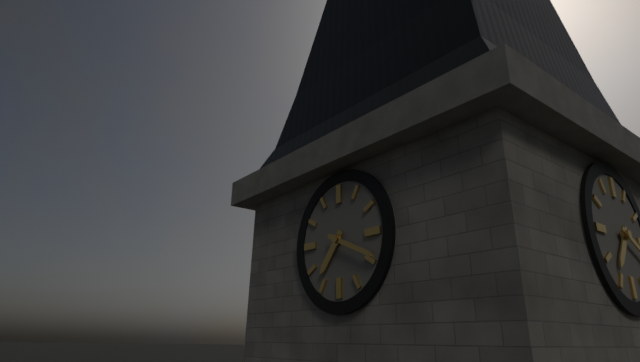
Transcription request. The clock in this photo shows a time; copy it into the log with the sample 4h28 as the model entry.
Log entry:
7h19
